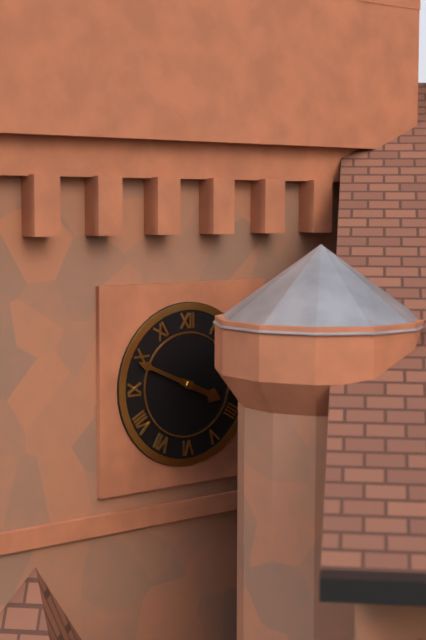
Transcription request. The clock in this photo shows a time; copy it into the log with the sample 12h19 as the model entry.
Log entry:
3h49
